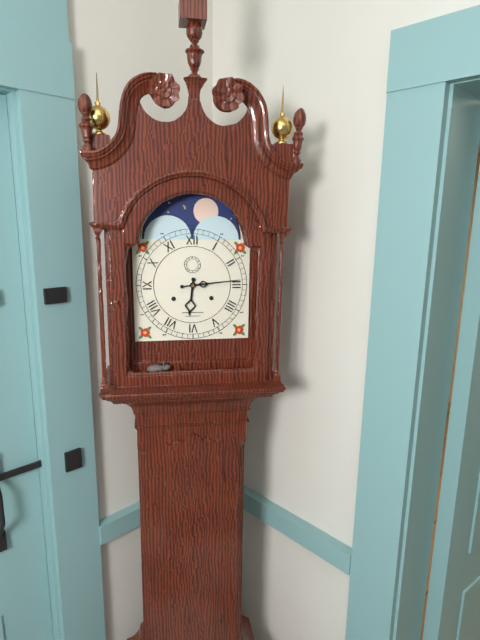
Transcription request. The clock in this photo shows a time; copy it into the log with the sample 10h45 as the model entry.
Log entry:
6h14
